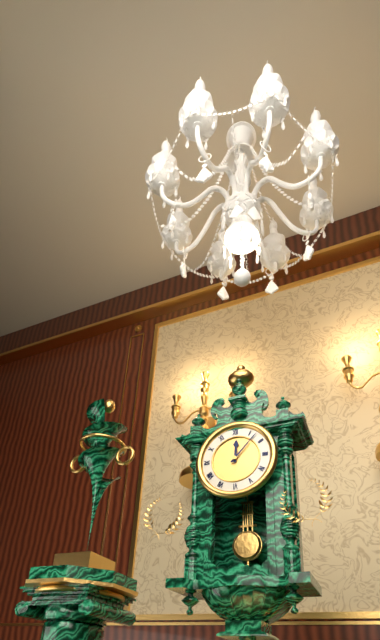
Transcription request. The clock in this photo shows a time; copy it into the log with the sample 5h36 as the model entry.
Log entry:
12h07
